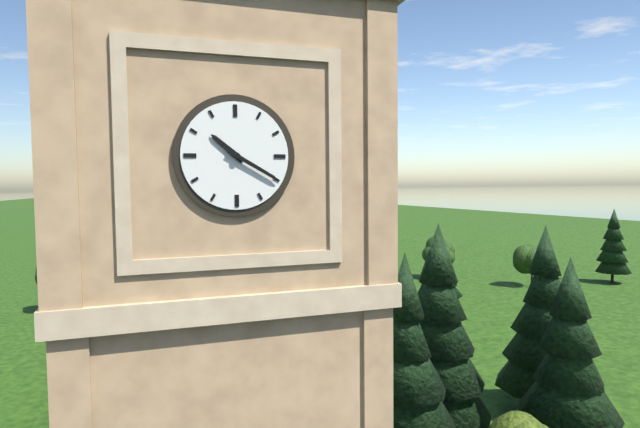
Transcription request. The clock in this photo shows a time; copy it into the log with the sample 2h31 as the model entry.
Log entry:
10h20
